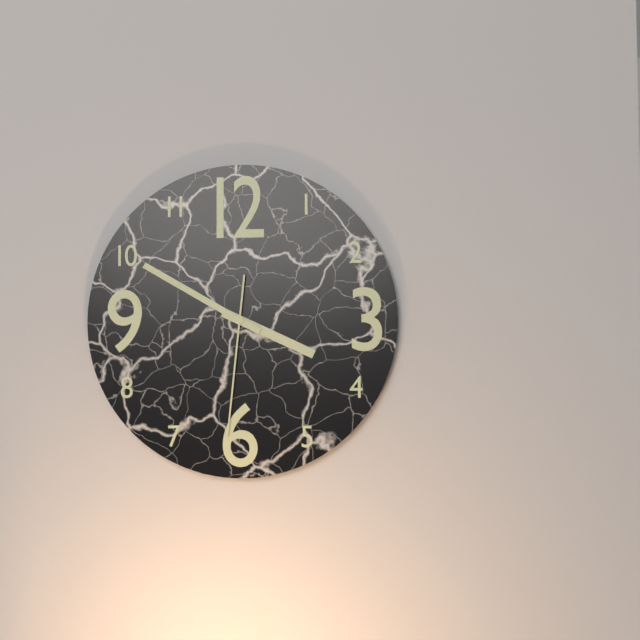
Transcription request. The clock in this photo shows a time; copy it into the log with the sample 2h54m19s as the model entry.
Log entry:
3h50m31s
